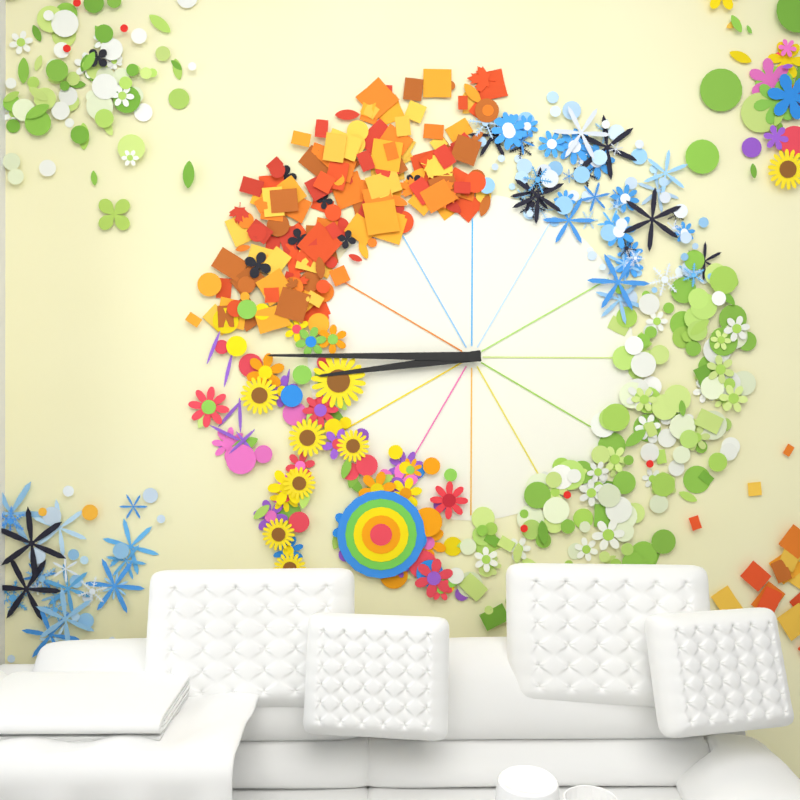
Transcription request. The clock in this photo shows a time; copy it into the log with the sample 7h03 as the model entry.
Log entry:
8h45
